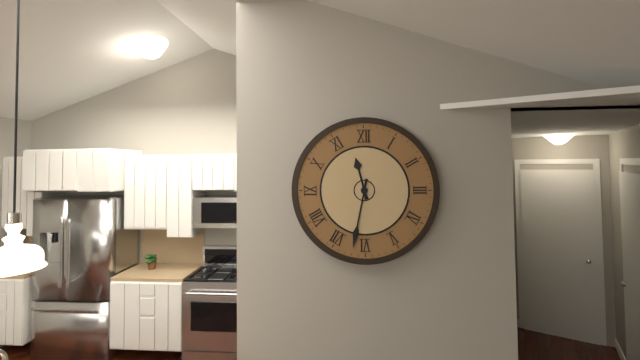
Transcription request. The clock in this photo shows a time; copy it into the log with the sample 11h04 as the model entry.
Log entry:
11h32
